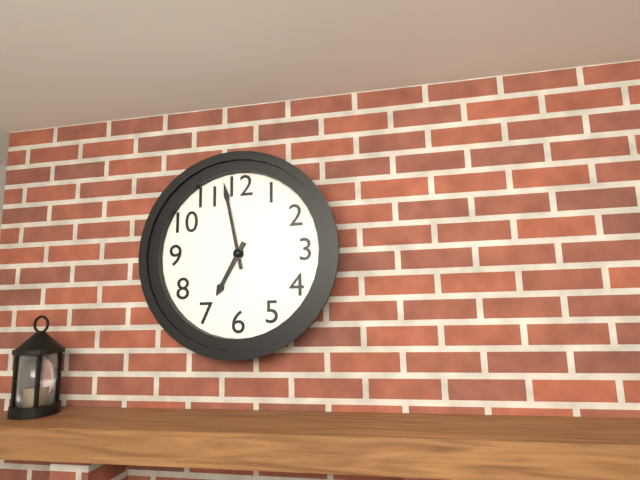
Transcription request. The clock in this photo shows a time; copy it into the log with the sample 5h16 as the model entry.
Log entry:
6h58
